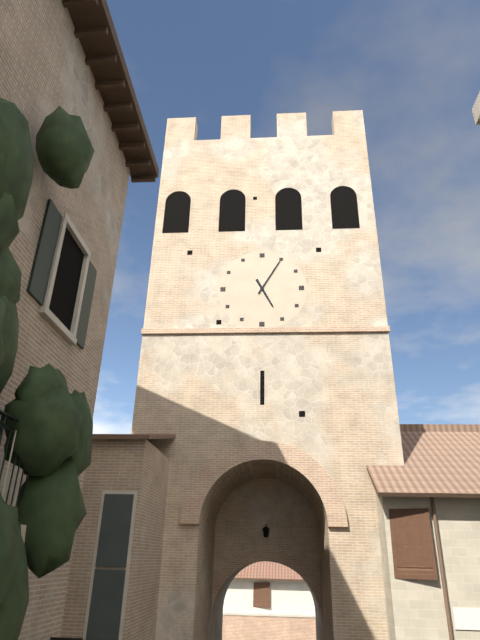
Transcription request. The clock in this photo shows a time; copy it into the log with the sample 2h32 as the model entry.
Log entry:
5h05
